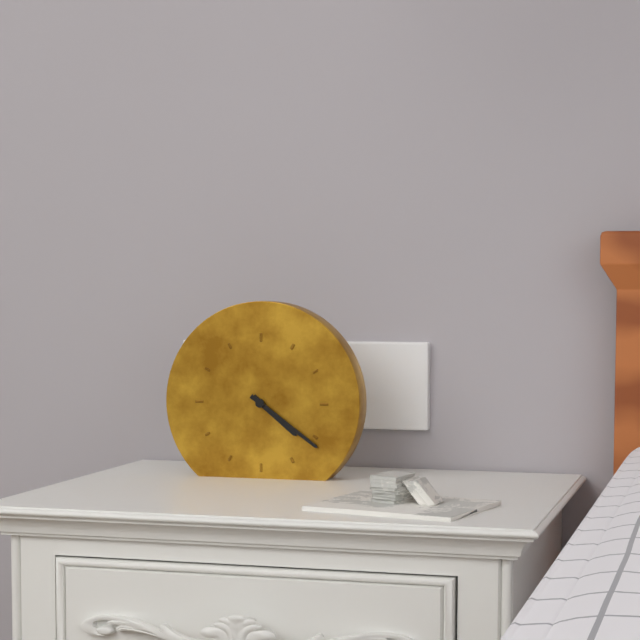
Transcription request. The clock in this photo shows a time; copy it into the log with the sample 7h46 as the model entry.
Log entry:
4h21
